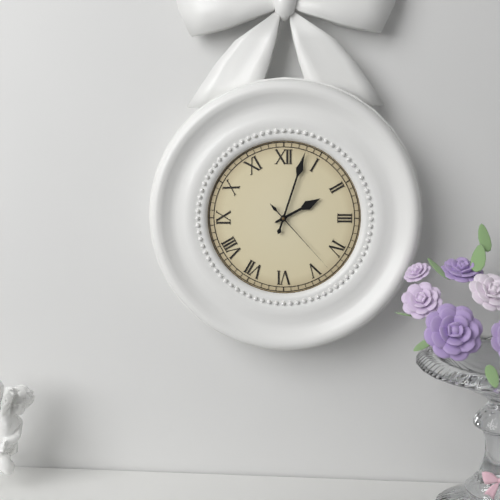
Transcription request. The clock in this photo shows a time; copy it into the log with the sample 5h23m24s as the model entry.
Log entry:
2h03m23s
